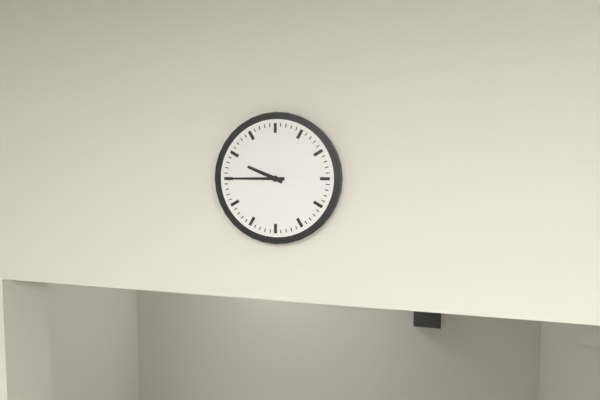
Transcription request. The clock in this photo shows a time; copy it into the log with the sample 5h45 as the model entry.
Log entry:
9h45
